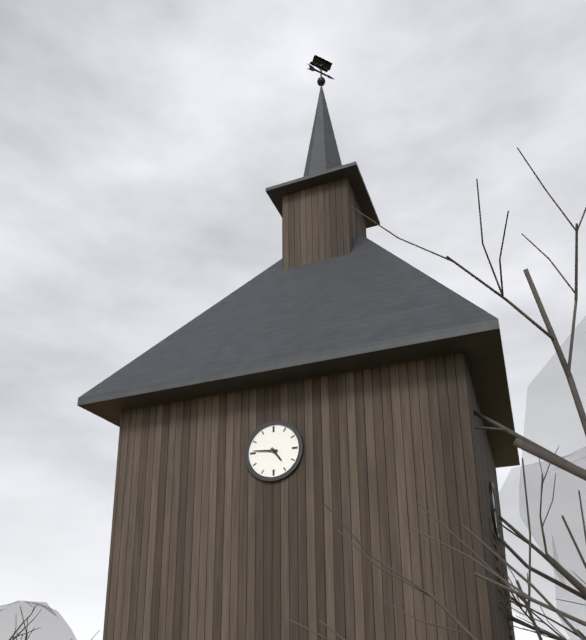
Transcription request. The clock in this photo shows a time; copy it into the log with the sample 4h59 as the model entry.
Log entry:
4h46
